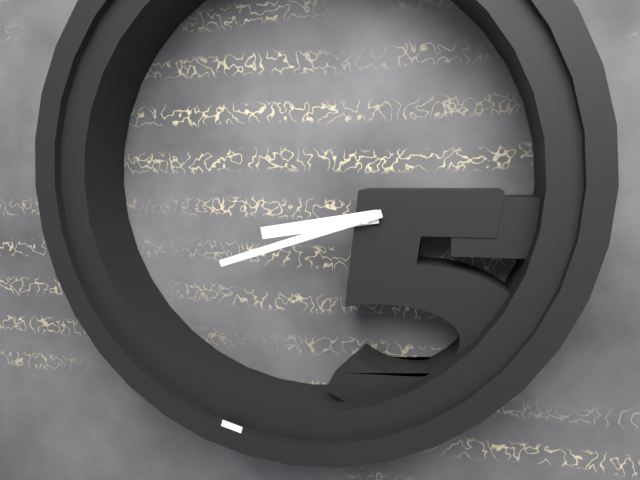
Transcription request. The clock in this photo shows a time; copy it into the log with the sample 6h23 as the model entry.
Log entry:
8h42
